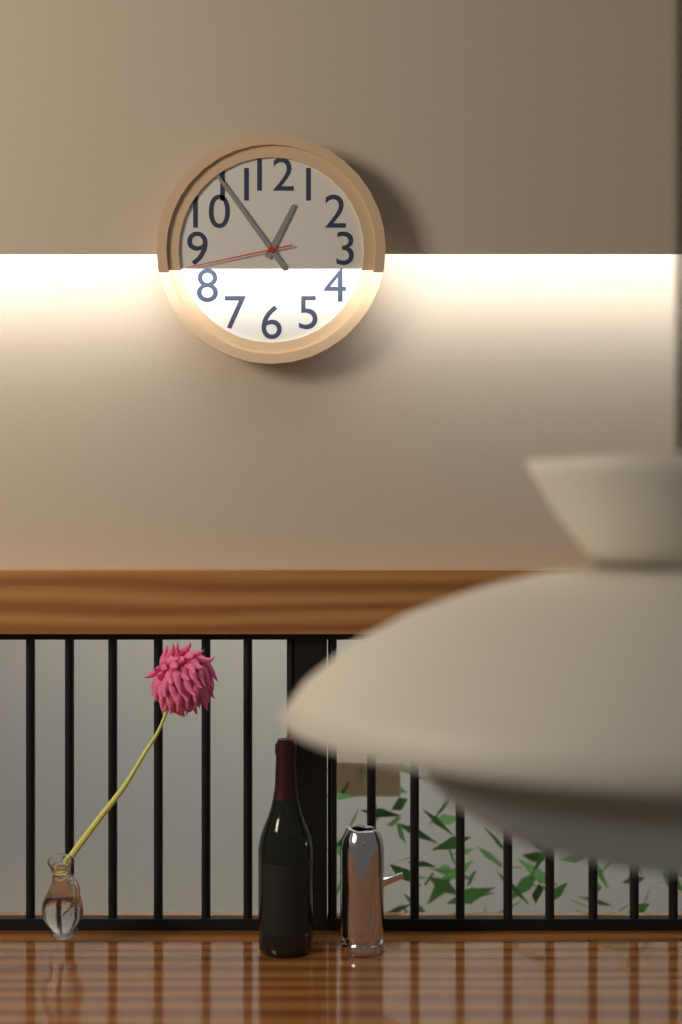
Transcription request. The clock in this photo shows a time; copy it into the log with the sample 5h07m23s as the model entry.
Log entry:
12h54m43s
